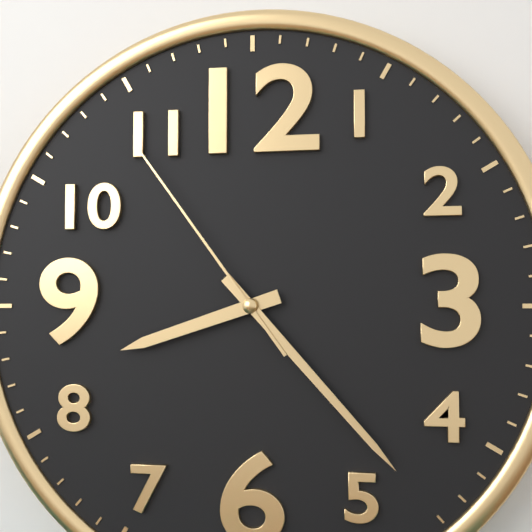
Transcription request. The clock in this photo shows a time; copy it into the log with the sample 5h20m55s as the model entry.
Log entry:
8h23m54s
